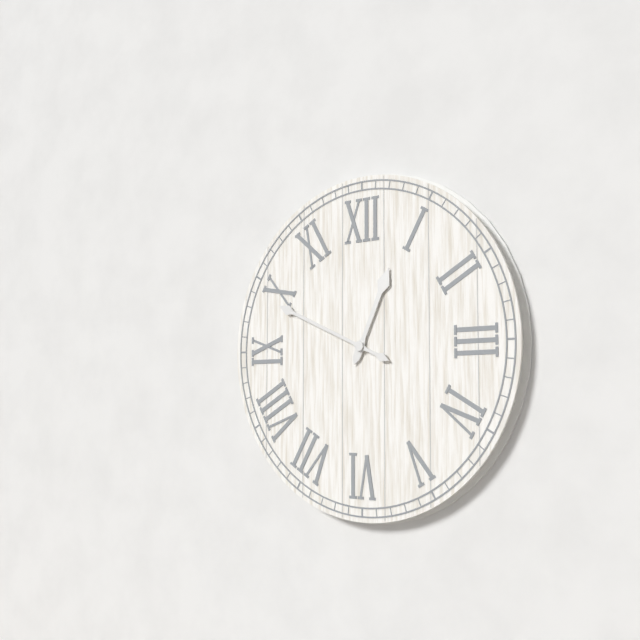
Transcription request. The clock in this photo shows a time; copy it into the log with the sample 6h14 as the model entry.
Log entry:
12h49
